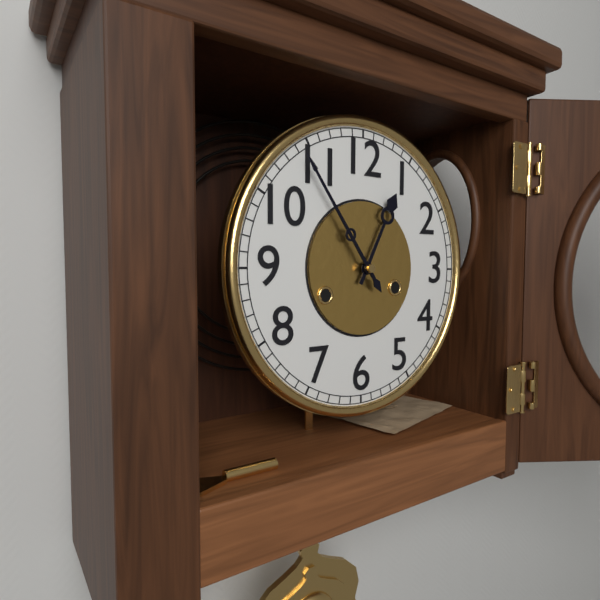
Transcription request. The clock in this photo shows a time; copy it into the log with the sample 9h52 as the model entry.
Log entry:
12h54
